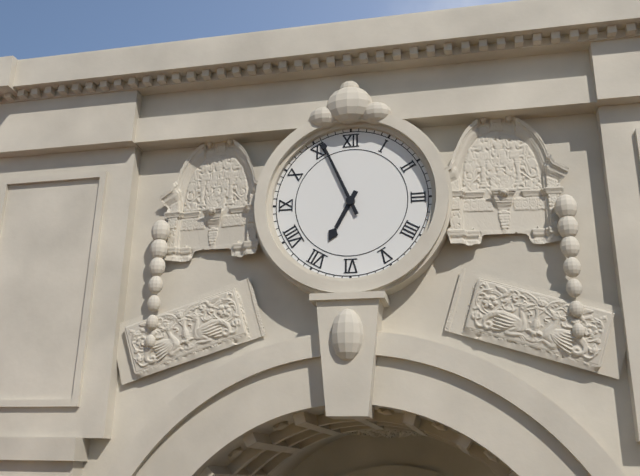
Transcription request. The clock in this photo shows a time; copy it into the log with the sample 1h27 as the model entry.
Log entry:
6h56
